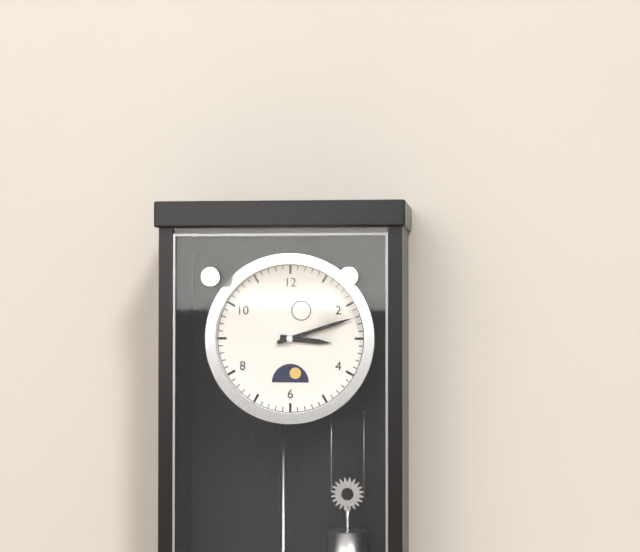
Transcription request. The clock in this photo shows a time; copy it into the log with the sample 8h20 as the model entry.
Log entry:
3h12
